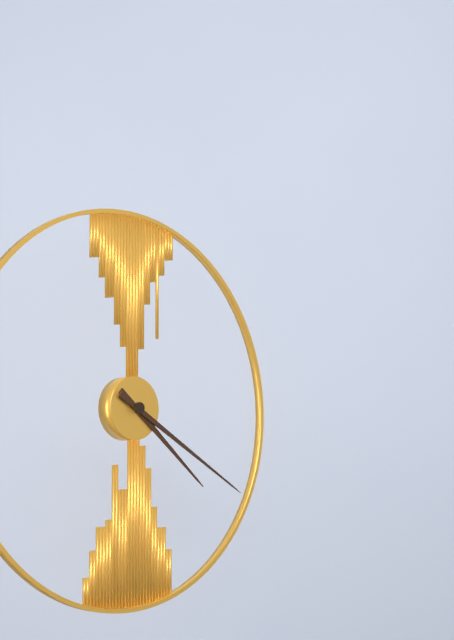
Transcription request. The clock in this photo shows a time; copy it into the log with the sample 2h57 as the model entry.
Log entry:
4h20
